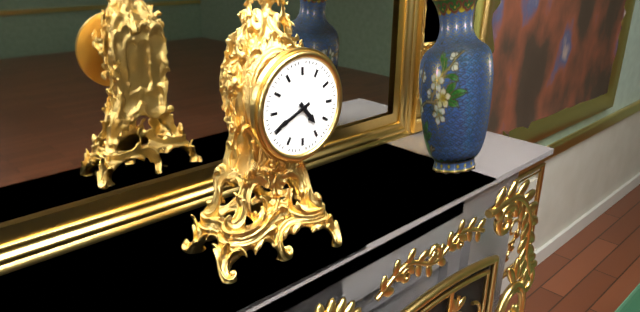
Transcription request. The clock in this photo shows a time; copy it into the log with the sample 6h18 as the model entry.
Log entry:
4h41
